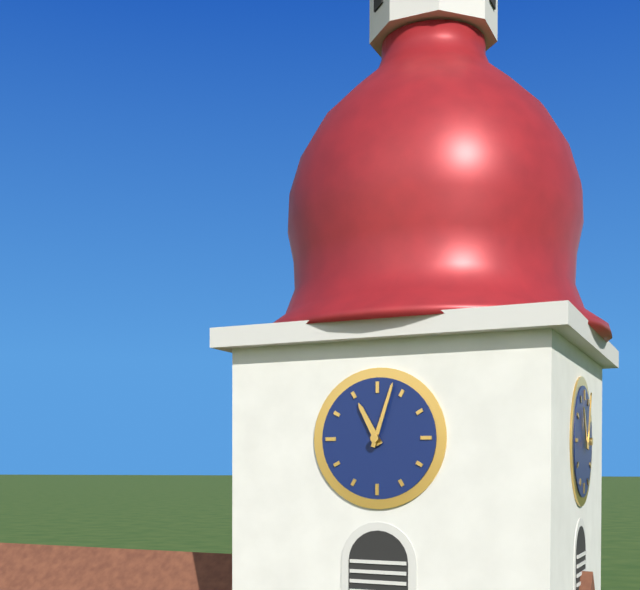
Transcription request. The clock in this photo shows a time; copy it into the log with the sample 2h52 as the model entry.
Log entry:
11h03
